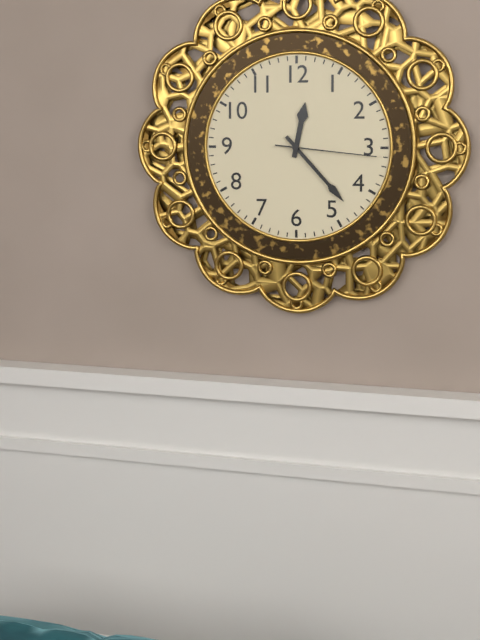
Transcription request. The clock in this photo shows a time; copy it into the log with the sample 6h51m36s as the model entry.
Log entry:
12h23m16s
